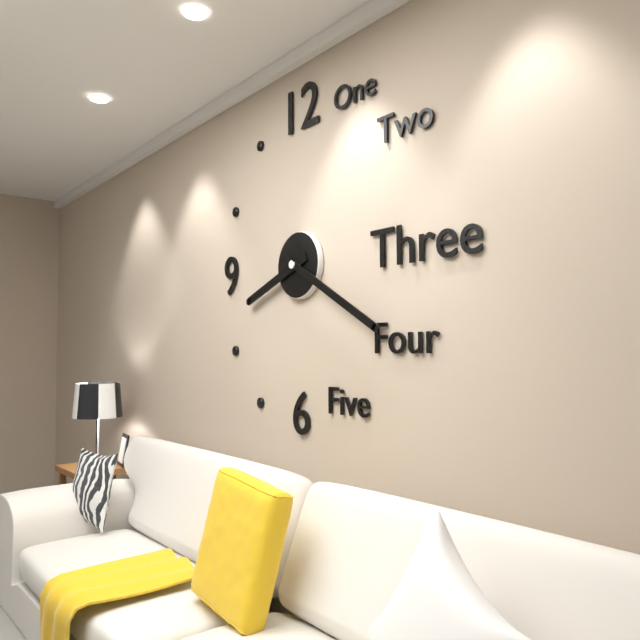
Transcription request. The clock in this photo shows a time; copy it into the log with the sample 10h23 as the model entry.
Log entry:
8h20
